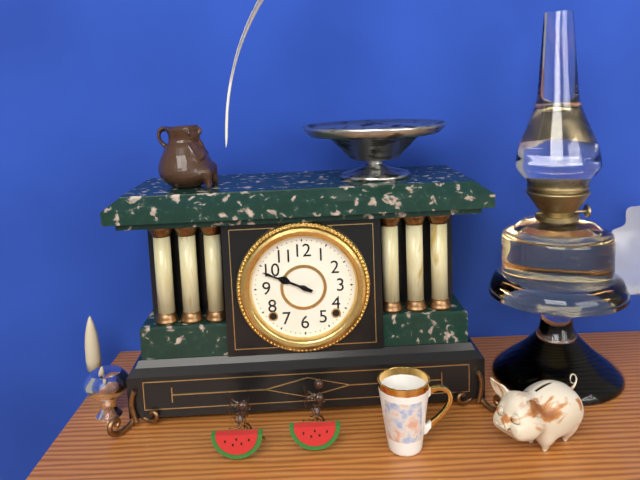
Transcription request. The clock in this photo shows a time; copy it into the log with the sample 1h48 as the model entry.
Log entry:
9h49
